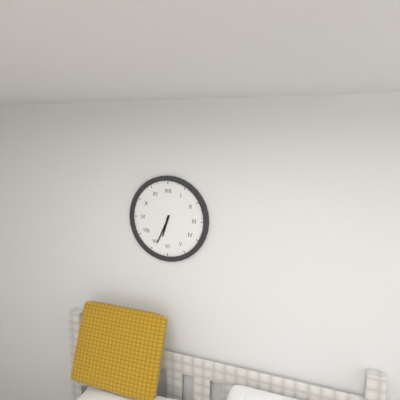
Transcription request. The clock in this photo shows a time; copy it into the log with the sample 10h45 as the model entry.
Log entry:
6h34
